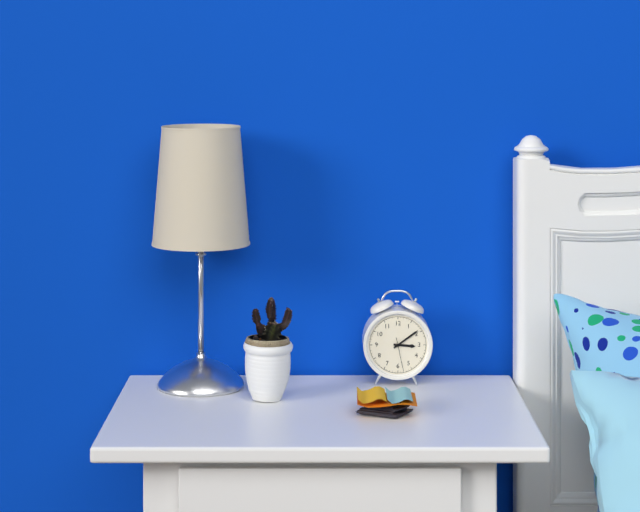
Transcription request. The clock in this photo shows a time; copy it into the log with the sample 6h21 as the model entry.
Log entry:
3h09
